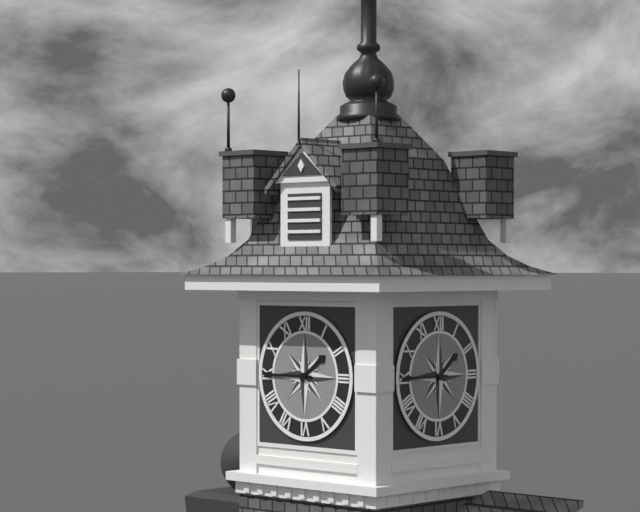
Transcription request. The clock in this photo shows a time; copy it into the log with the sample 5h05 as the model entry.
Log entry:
1h45
